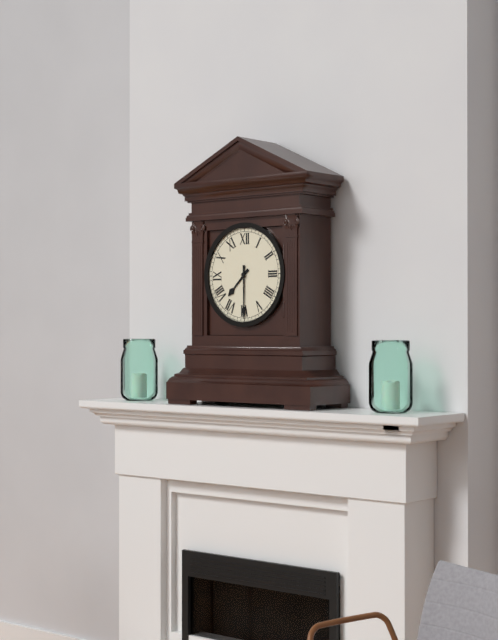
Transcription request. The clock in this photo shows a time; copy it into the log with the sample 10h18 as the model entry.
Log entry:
7h30
